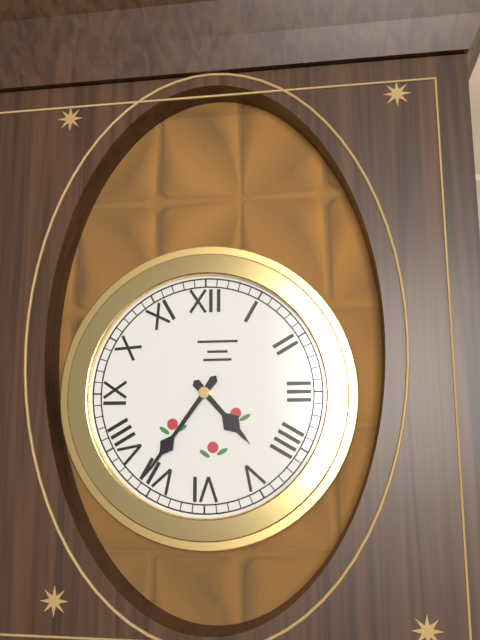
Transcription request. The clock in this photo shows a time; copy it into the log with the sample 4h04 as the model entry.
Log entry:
4h36
